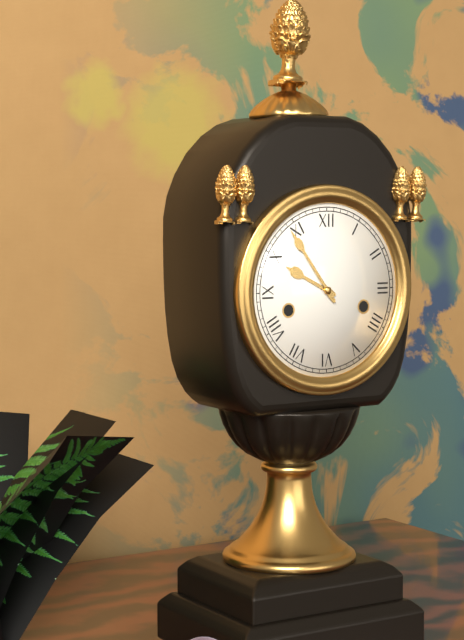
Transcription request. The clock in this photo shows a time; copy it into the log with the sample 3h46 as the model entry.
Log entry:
9h54
